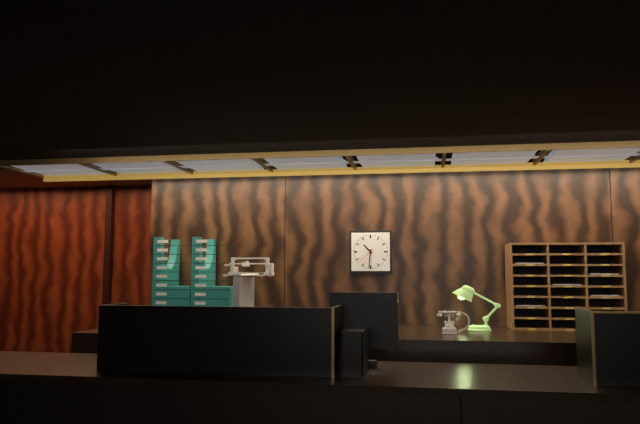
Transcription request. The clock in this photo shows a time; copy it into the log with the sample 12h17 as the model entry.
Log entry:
10h31
